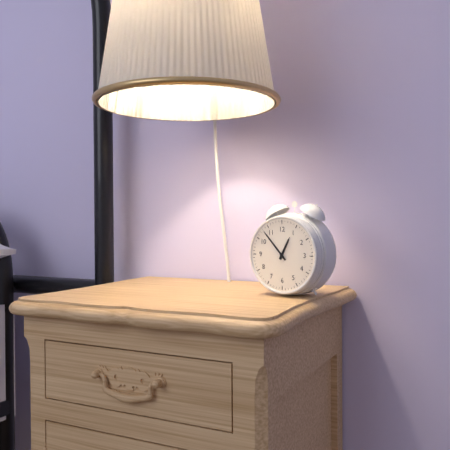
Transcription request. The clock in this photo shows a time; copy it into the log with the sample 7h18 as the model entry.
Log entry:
12h53
